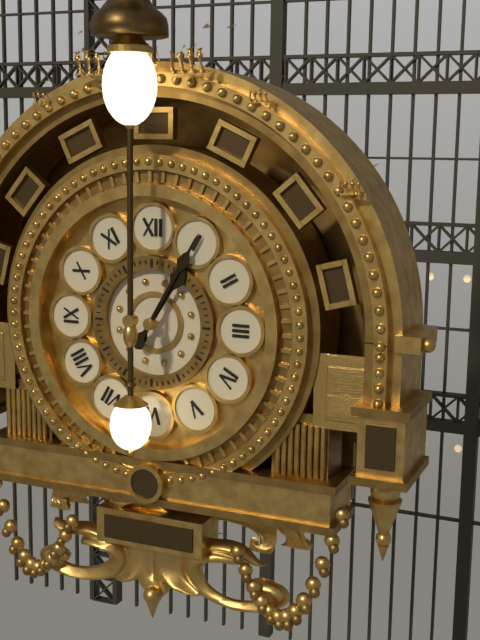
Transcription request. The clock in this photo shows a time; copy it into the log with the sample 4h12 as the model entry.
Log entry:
1h05
